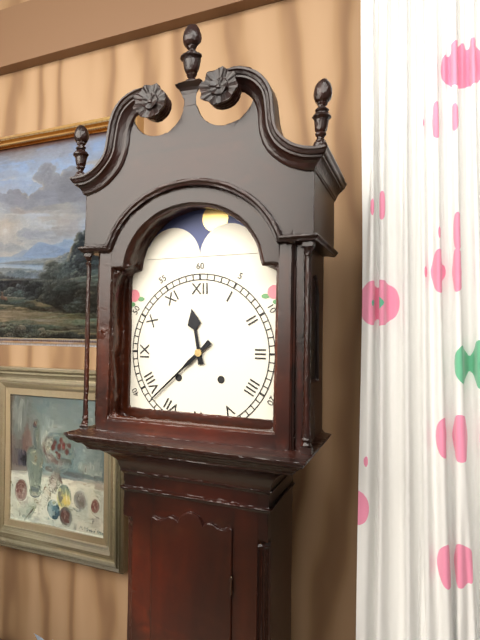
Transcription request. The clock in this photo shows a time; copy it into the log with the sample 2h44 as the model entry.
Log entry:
11h38
